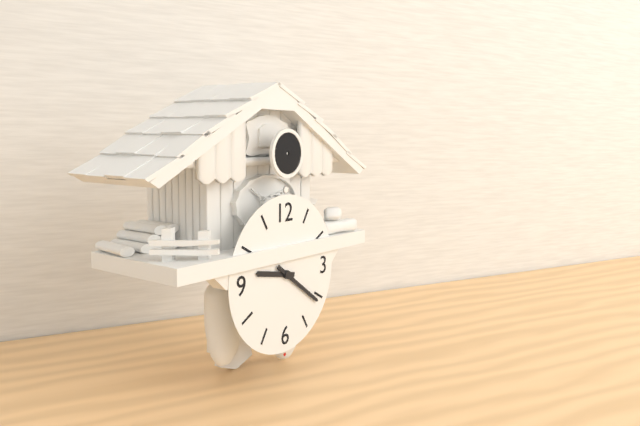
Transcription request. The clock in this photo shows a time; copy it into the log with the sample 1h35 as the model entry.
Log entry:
9h21
